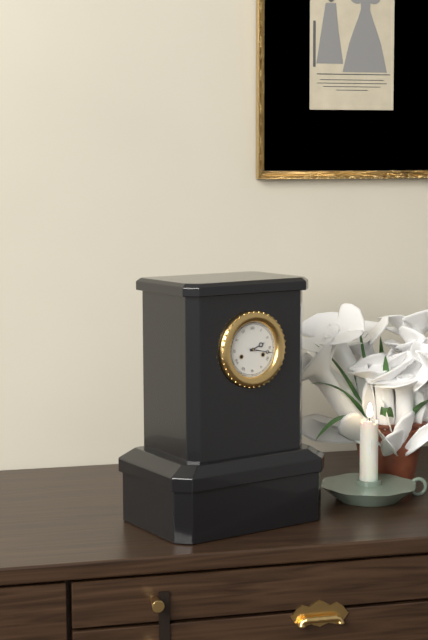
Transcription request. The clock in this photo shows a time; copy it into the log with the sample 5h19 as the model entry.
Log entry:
2h17
